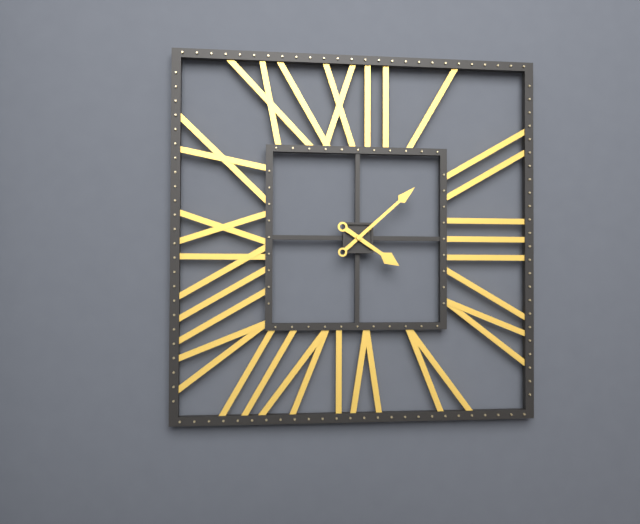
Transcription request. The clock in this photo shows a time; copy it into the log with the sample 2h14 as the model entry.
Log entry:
4h08
